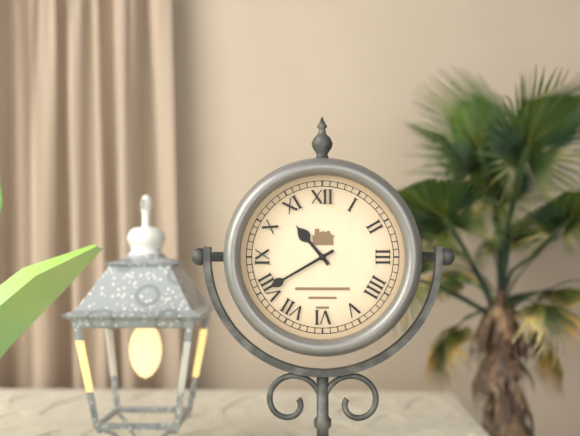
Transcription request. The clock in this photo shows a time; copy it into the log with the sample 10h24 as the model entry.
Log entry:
10h40
